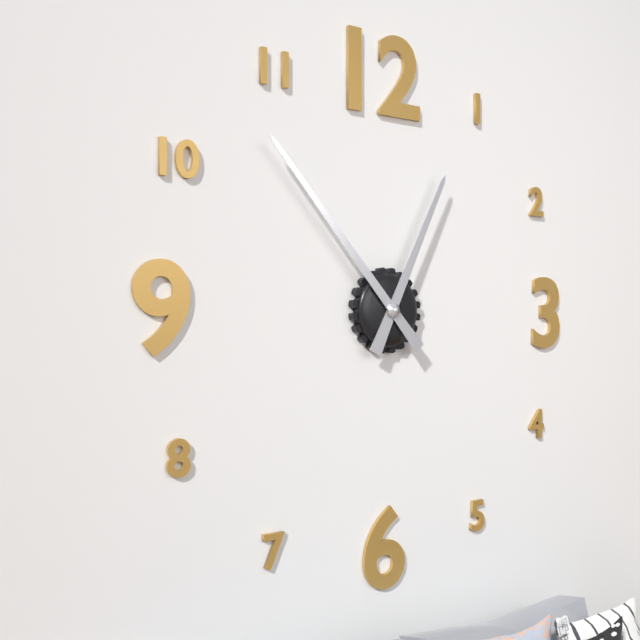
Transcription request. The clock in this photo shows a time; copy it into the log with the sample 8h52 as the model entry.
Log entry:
12h53
